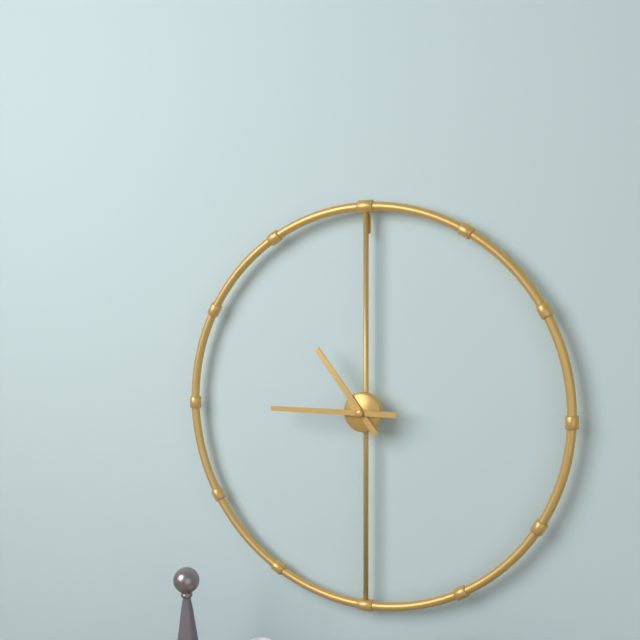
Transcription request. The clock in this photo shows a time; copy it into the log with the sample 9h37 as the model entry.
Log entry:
10h45
